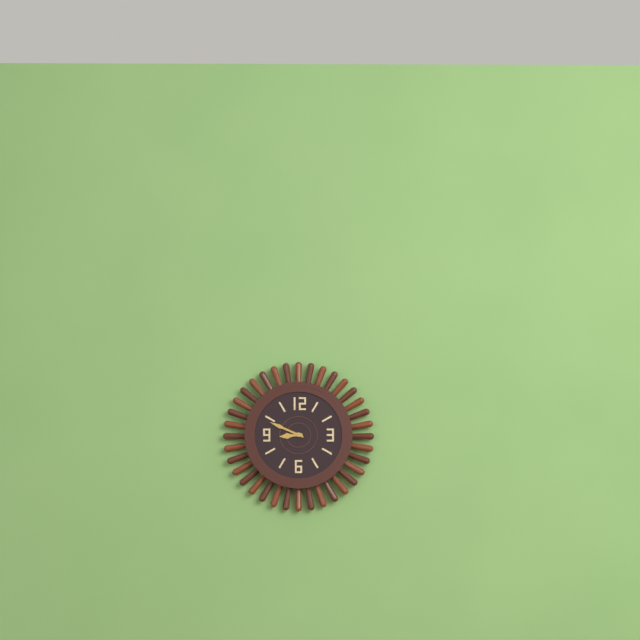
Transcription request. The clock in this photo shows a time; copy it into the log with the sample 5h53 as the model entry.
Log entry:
8h49
